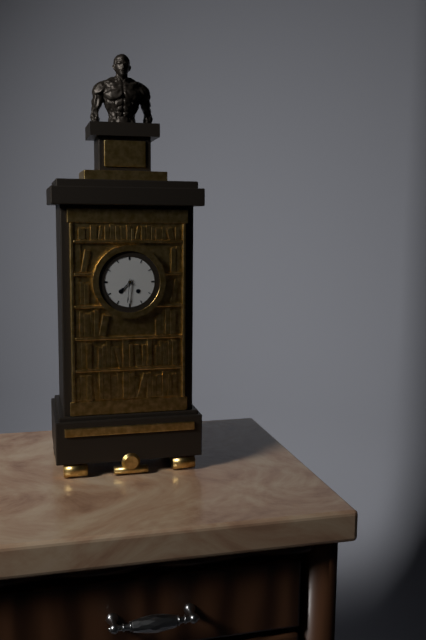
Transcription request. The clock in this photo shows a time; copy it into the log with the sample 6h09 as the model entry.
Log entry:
7h31
